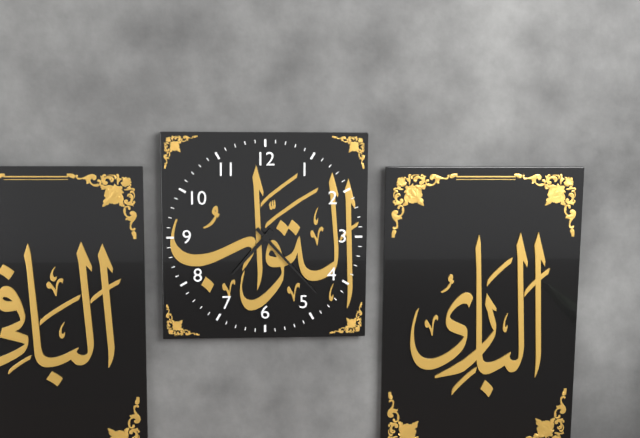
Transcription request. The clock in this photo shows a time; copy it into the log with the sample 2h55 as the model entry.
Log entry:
7h23
